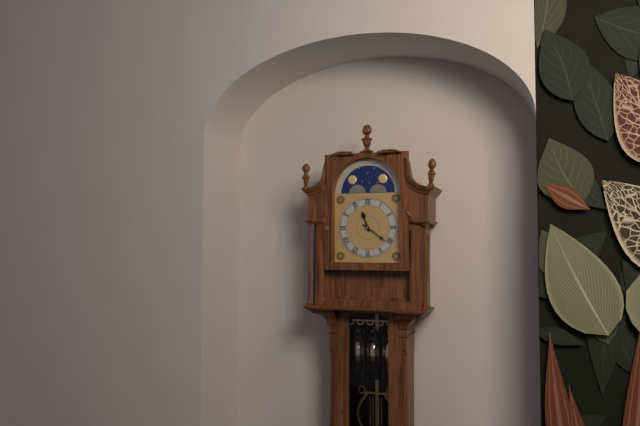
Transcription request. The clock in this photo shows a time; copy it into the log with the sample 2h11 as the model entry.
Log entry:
11h21
